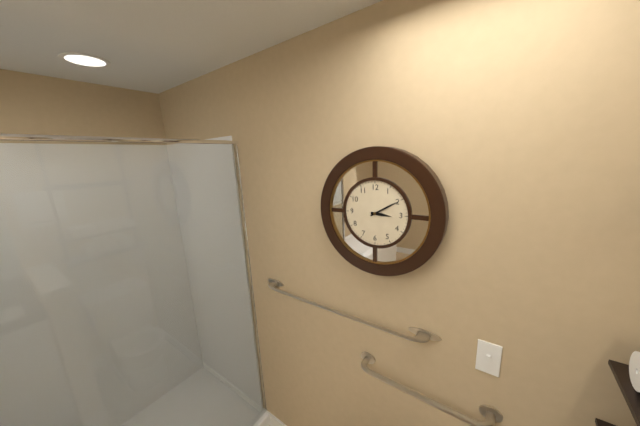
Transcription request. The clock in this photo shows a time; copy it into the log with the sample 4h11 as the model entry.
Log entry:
3h10
